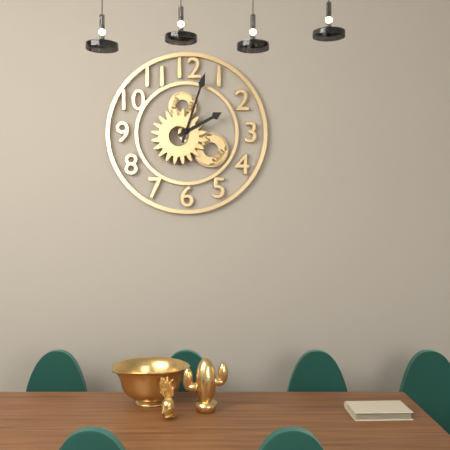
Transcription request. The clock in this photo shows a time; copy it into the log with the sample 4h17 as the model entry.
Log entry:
2h03
